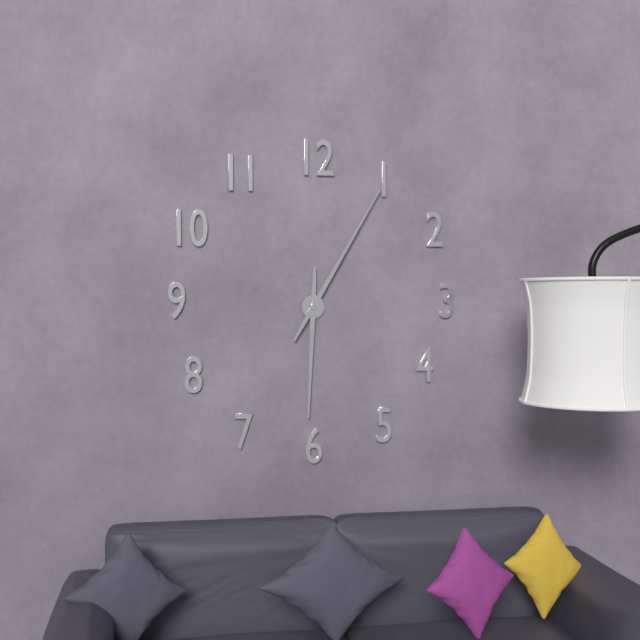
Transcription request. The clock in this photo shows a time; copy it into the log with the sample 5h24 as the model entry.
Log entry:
6h05
